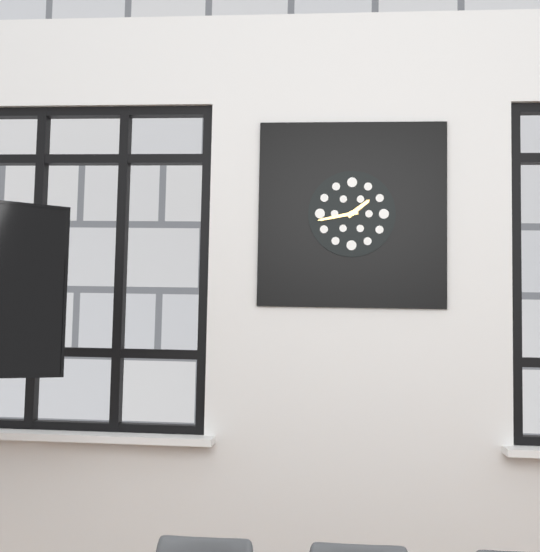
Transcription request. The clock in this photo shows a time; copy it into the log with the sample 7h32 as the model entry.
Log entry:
1h43
